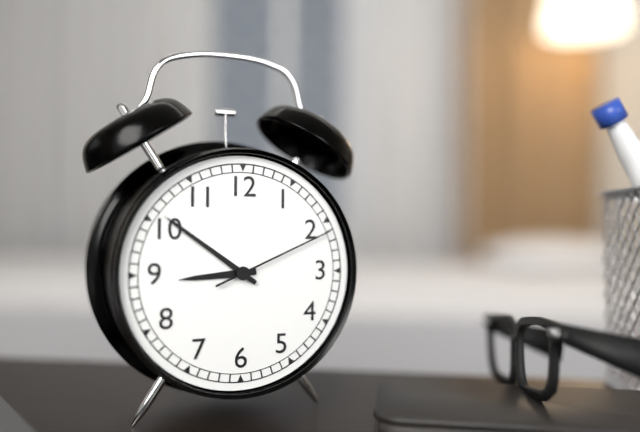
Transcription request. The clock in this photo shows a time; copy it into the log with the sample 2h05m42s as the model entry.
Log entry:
8h51m11s
